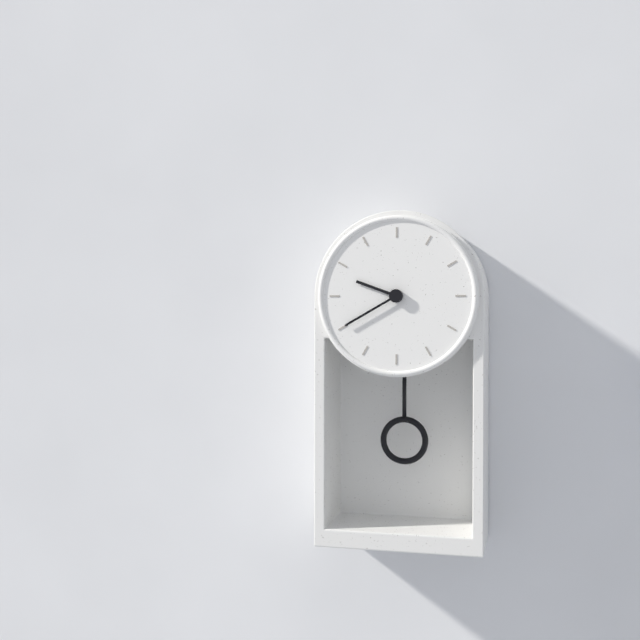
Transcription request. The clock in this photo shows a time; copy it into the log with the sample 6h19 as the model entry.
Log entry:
9h40
